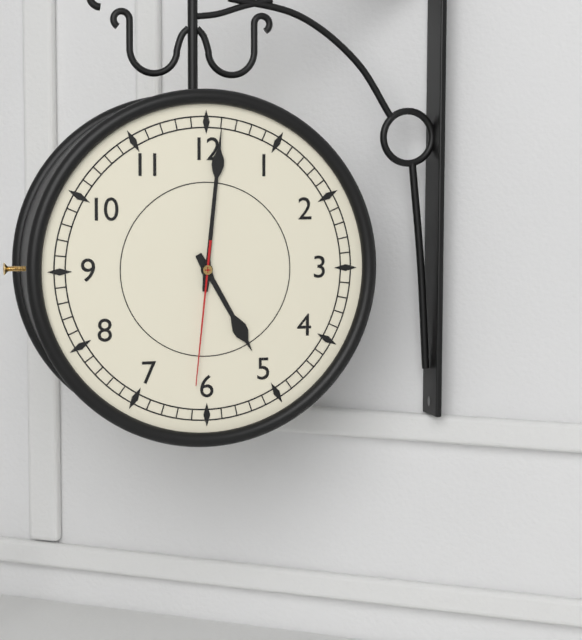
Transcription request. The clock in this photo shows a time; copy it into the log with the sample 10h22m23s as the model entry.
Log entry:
5h01m31s
